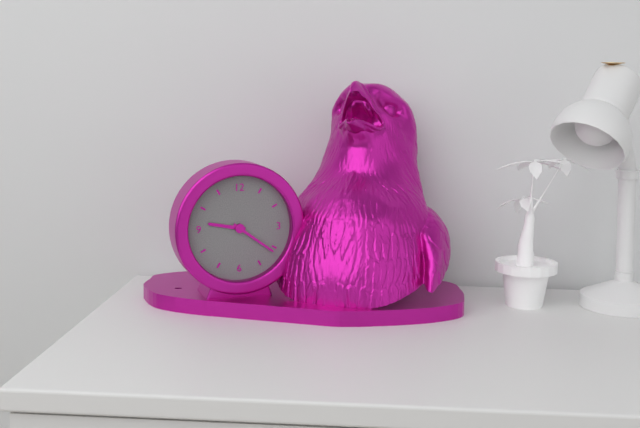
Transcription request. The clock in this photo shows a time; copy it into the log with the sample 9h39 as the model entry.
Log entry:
9h21
